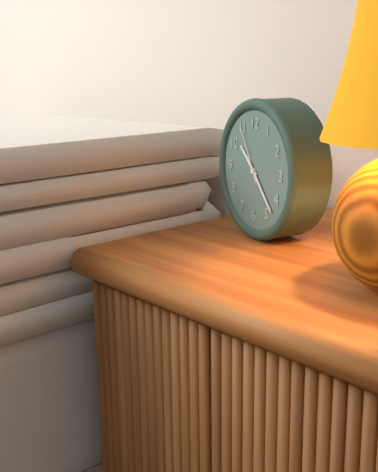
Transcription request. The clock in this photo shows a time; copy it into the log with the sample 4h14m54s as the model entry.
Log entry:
10h23m55s
